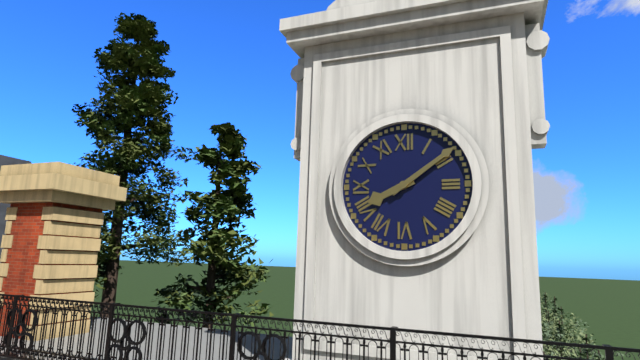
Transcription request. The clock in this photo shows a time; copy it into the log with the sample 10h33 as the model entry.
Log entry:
8h09
